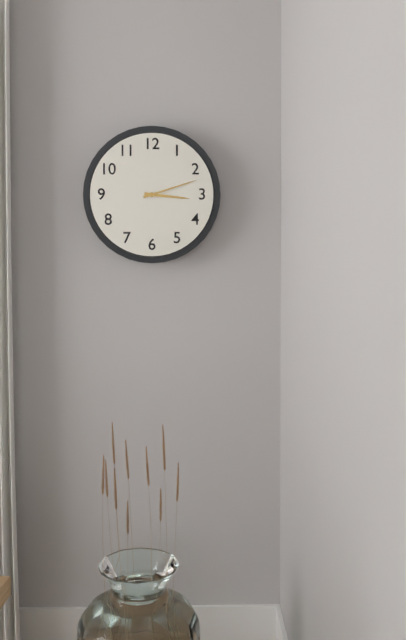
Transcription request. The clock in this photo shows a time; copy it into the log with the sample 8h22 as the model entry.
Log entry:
3h12
